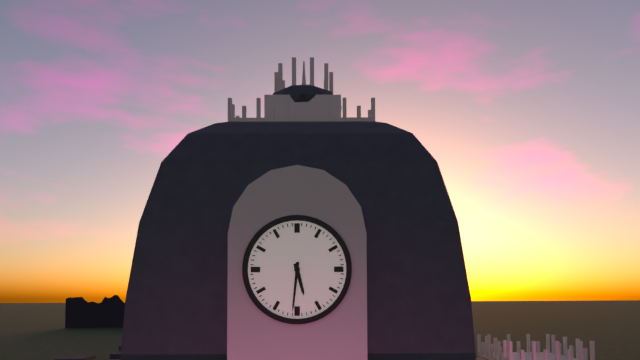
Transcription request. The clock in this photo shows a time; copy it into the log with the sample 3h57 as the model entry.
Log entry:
5h31
